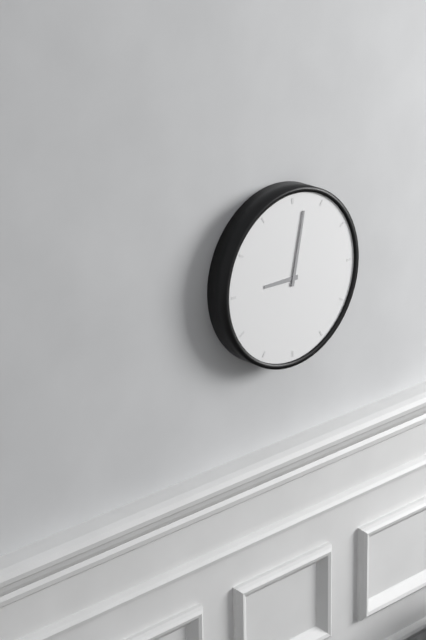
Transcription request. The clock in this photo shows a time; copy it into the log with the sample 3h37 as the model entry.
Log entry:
9h02
